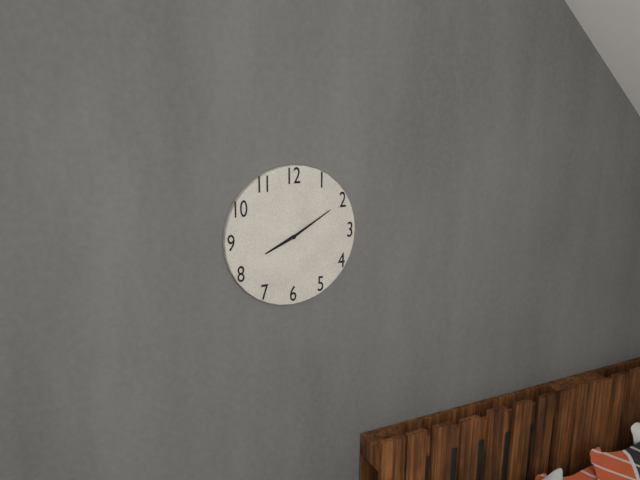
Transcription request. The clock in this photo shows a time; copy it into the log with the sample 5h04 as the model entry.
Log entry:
8h10
